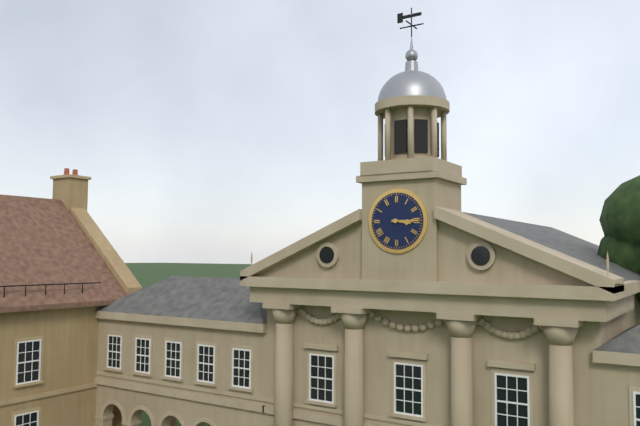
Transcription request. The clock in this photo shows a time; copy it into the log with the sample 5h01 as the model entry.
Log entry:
3h15
